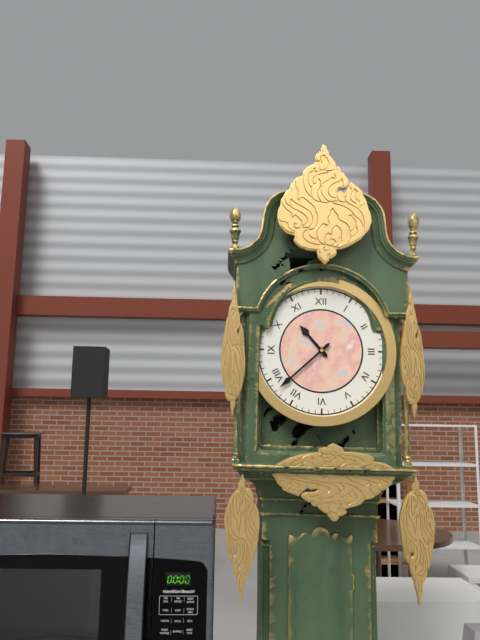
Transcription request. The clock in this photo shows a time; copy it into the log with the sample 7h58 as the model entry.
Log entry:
10h38
